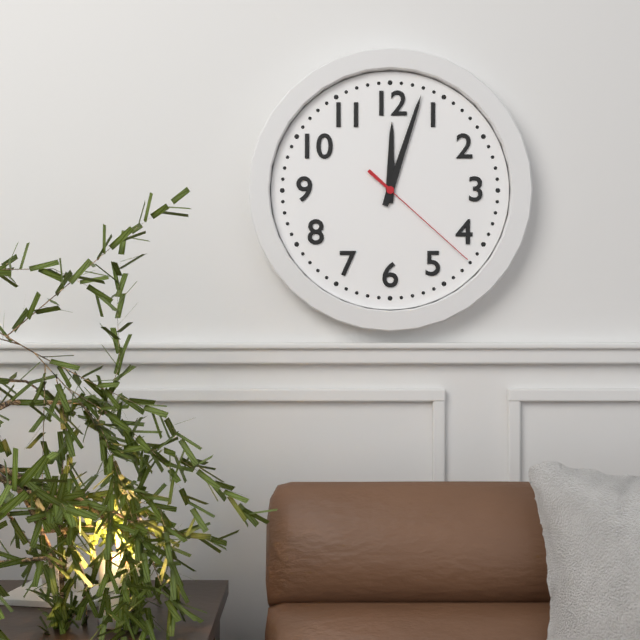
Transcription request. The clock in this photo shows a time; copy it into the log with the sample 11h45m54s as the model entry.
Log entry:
12h03m22s
